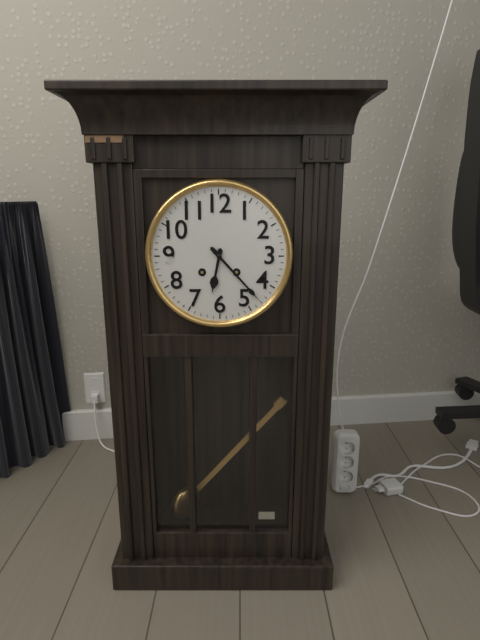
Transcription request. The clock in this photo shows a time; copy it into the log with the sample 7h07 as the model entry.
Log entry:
6h23
